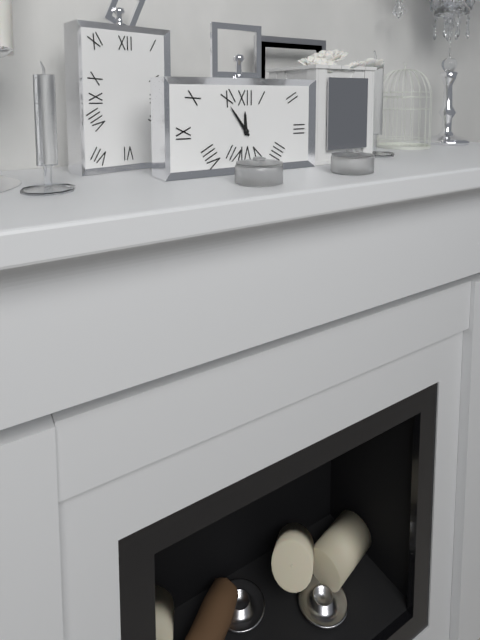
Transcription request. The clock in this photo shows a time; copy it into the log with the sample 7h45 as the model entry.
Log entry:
11h54
